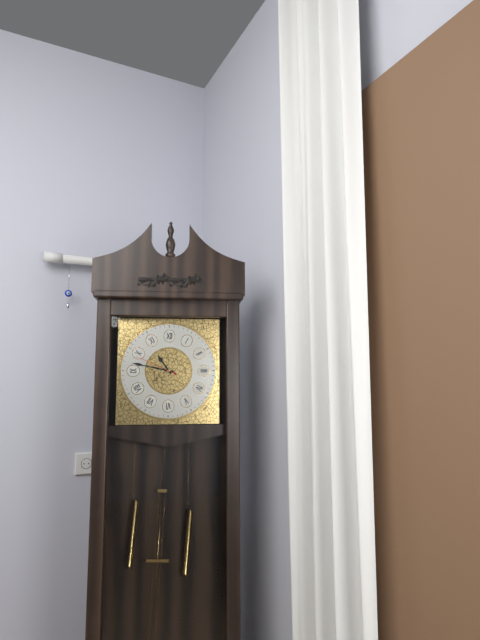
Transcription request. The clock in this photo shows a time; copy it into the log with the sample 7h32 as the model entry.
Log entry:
10h47
